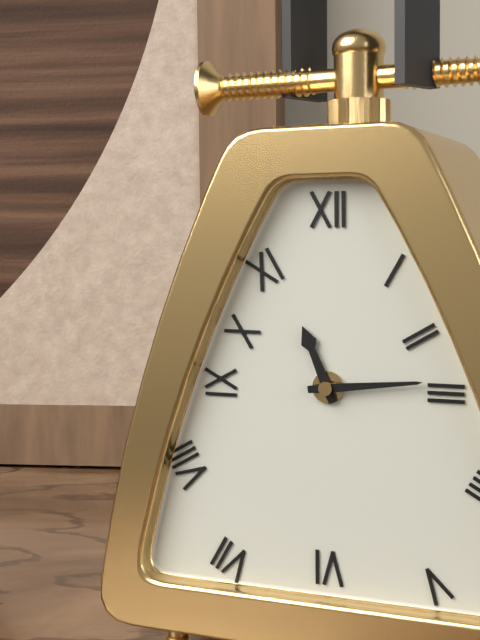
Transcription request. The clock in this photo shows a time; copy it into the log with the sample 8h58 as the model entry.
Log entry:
11h14
